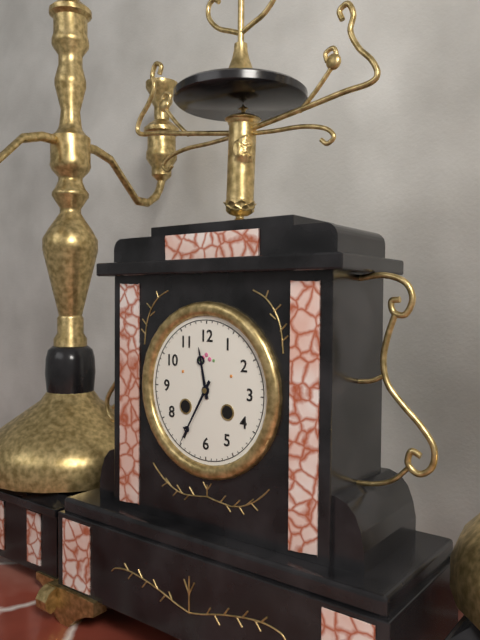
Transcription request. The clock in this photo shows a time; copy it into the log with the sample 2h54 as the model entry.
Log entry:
11h35
